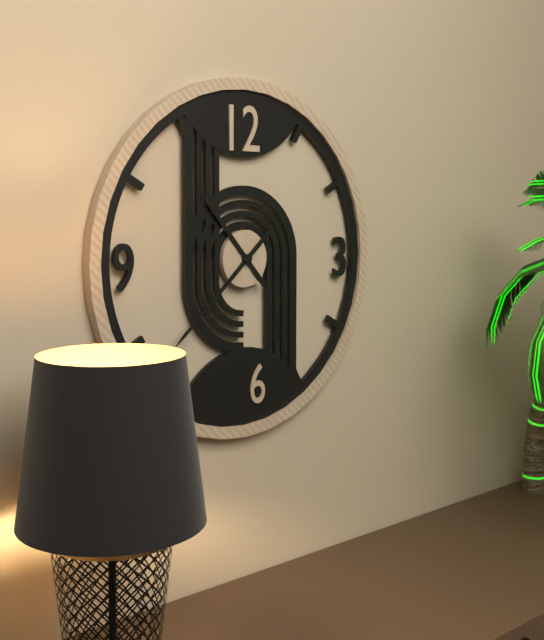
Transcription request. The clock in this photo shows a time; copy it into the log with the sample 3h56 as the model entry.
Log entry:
10h38
